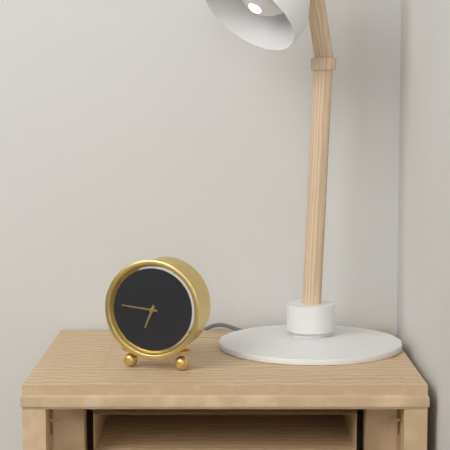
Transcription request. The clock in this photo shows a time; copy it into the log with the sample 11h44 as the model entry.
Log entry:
6h46
